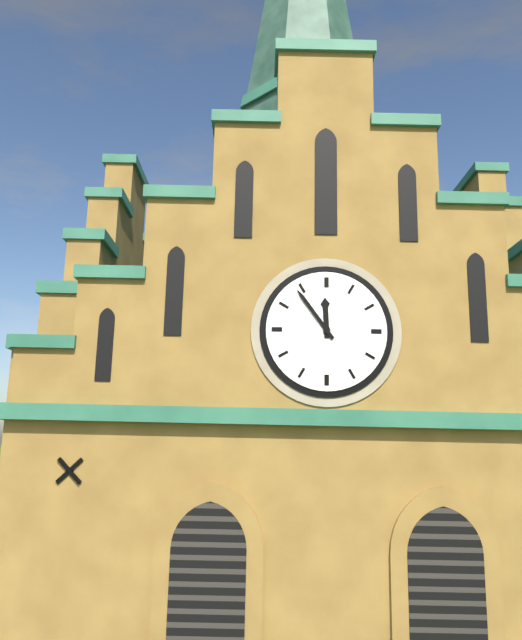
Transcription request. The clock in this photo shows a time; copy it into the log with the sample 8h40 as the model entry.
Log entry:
11h54
